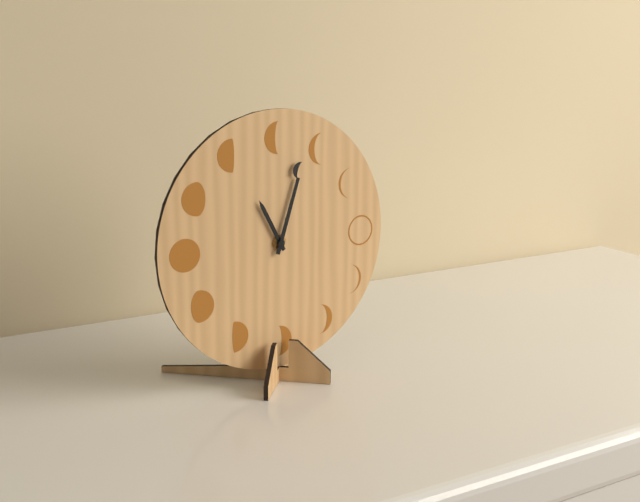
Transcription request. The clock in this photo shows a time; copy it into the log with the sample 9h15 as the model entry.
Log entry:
11h03
